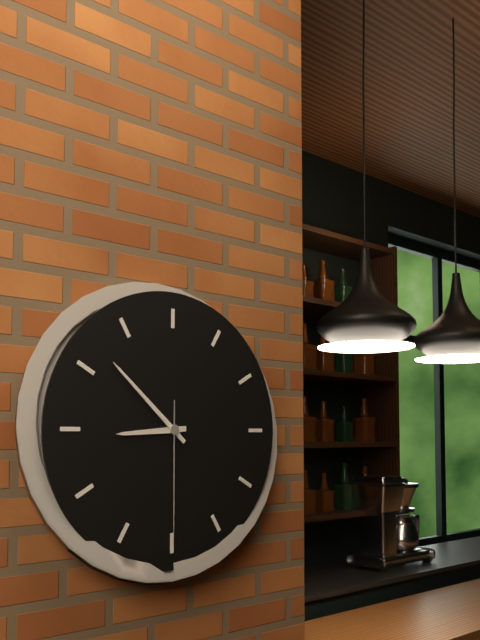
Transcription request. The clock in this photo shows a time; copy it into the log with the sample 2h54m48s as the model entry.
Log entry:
8h52m30s
